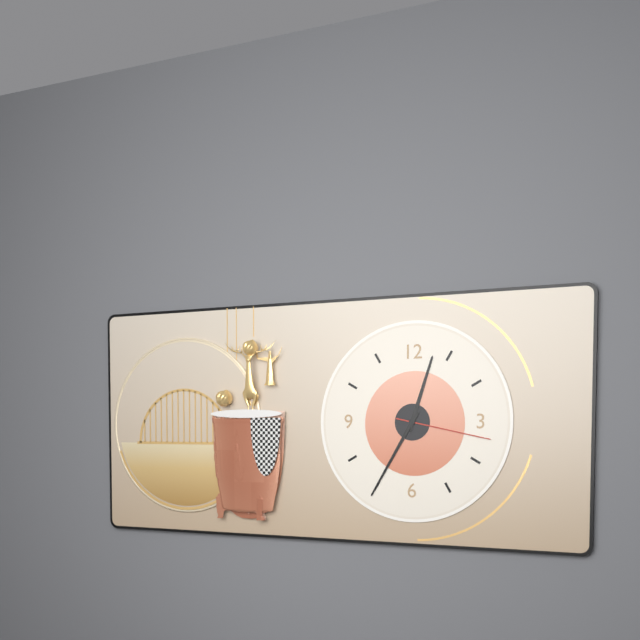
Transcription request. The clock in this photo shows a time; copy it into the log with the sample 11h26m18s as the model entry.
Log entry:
12h35m17s
